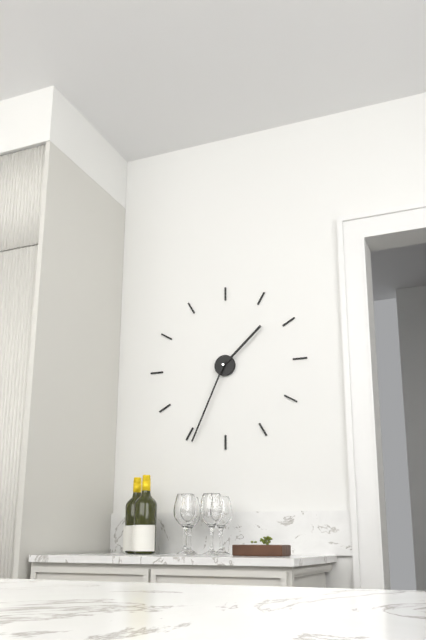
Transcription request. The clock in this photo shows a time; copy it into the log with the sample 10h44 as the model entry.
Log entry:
1h34
